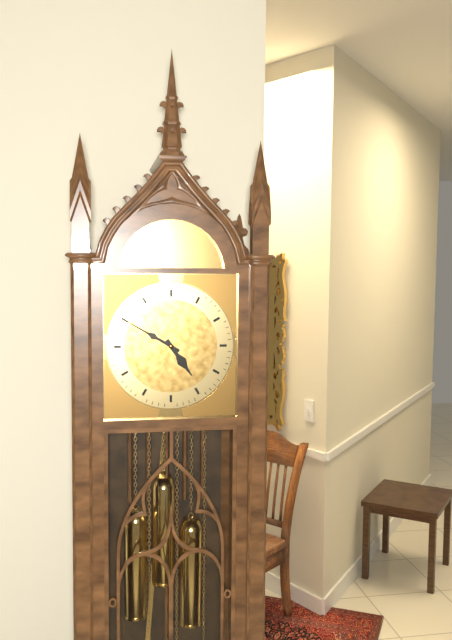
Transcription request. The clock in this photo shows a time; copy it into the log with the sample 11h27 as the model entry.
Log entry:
4h50
